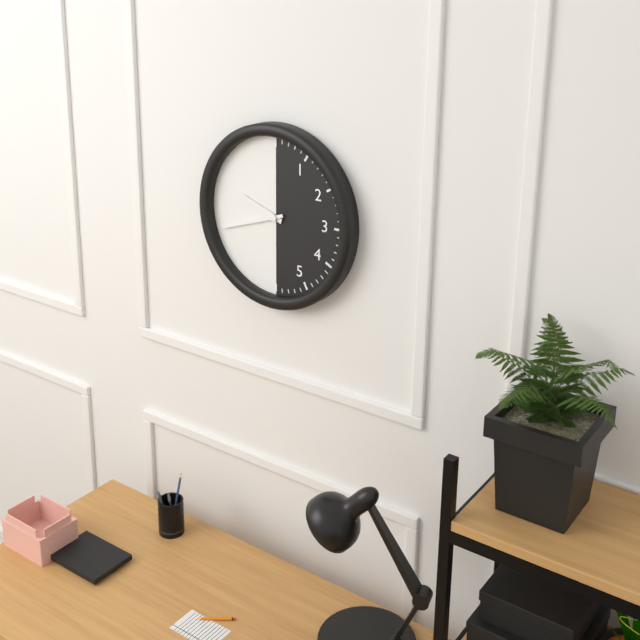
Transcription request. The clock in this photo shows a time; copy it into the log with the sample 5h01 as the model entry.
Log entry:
9h42
